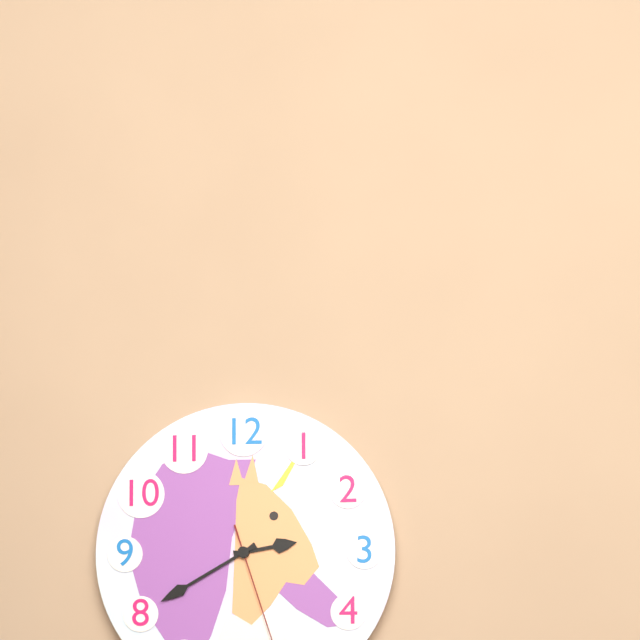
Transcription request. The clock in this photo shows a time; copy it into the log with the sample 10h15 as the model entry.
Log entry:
2h40
